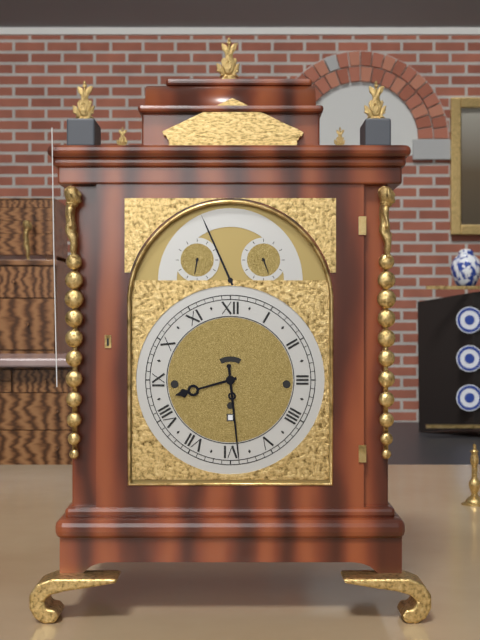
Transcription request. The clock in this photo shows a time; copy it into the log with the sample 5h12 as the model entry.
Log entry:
8h29
